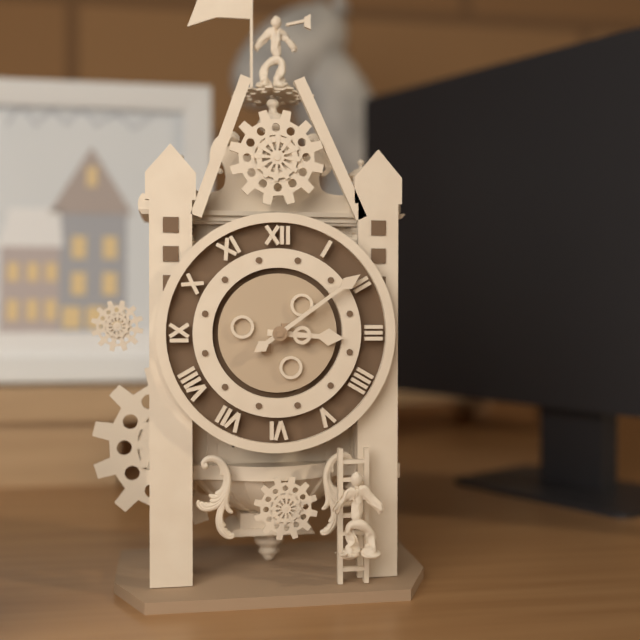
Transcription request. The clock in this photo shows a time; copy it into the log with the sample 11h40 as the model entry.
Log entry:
3h09
